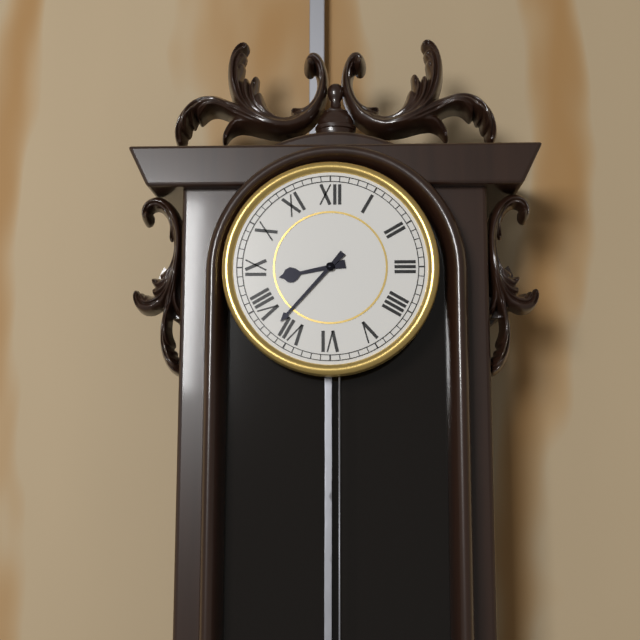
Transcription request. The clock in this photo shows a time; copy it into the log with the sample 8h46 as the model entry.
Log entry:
8h37
